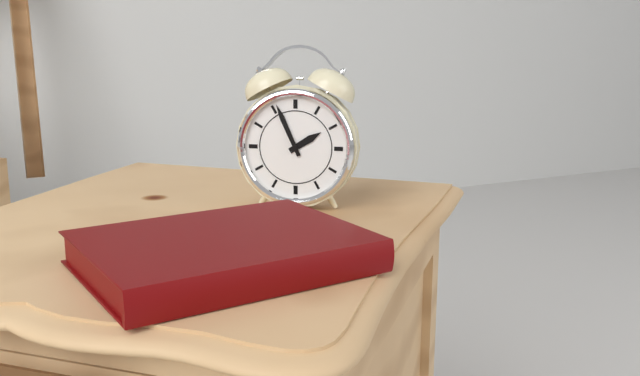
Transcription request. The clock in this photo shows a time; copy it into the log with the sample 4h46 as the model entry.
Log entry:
1h56
